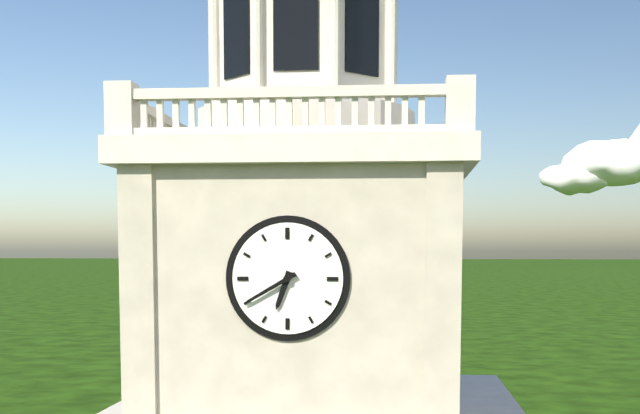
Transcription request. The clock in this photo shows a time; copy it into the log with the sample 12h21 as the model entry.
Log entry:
6h40
